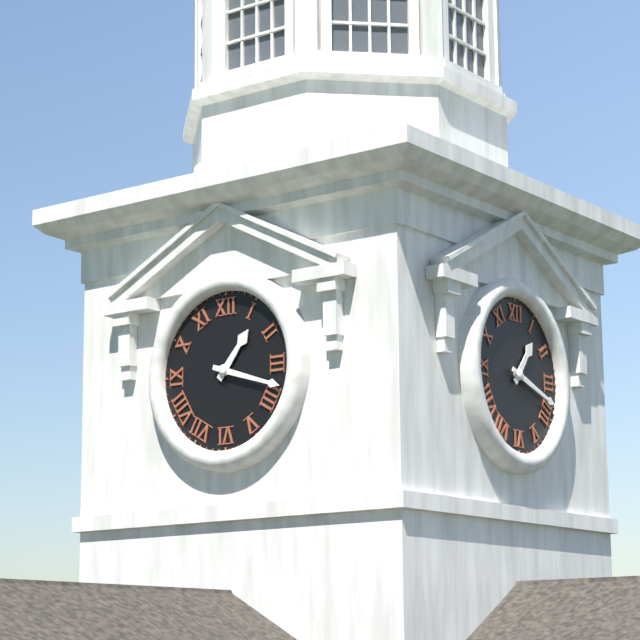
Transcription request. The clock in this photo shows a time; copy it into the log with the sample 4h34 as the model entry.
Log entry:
1h18
